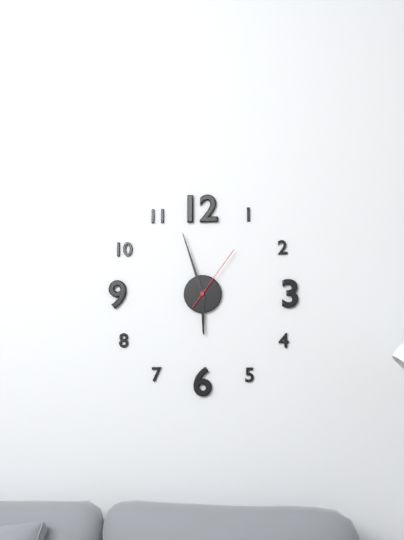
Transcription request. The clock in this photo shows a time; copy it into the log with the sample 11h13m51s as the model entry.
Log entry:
5h57m06s
